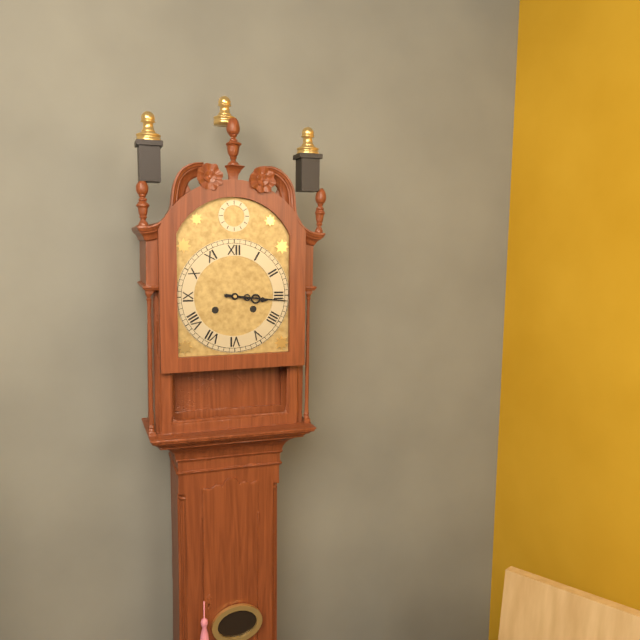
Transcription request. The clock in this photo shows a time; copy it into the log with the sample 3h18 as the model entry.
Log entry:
3h16
